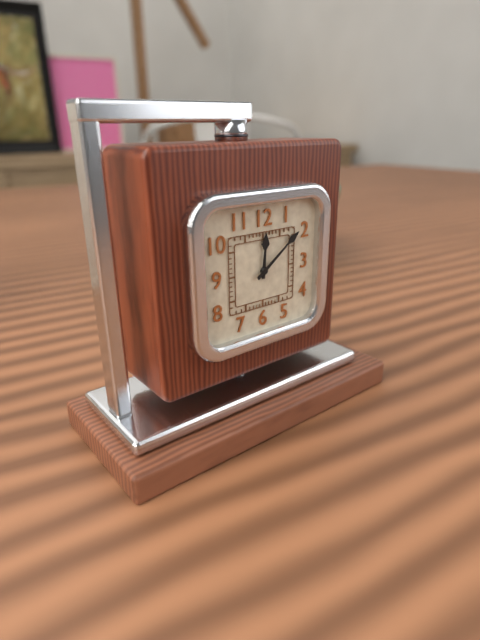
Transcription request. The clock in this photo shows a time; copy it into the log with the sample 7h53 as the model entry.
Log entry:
12h09
